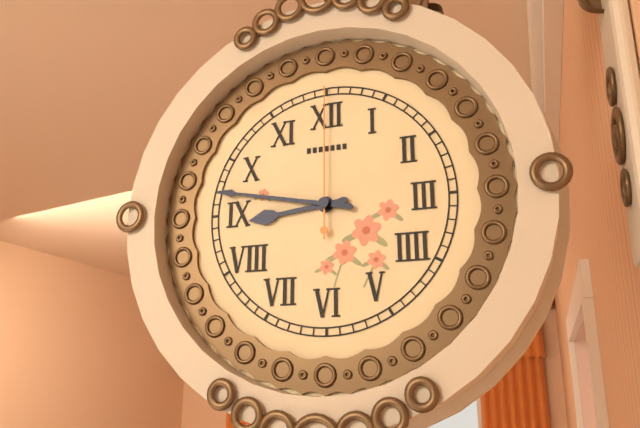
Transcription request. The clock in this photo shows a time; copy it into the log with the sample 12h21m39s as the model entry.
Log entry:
8h47m00s
